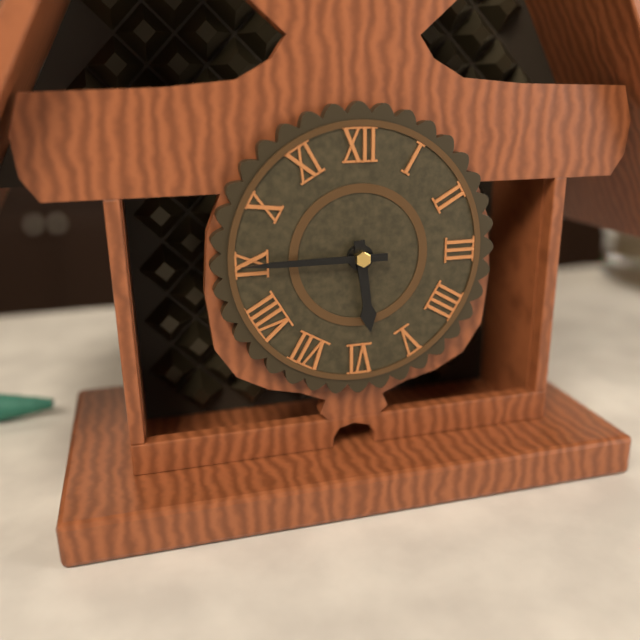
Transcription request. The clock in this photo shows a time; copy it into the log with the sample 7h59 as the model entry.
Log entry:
5h45
